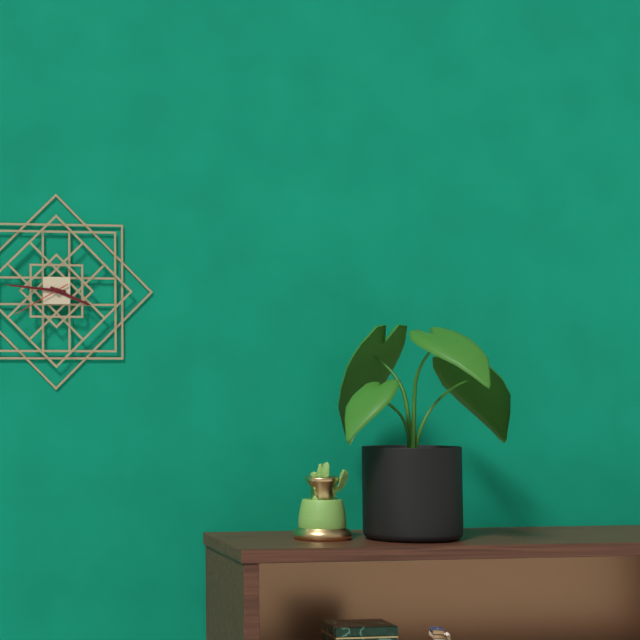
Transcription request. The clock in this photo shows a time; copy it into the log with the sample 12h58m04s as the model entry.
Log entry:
3h46m40s
